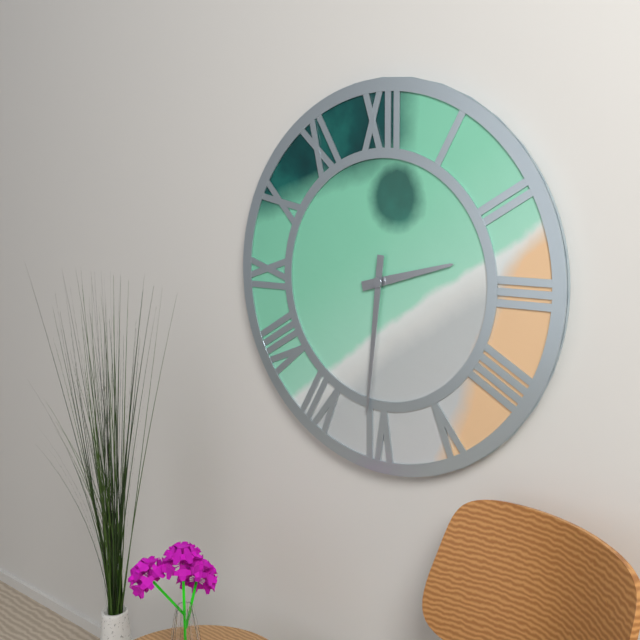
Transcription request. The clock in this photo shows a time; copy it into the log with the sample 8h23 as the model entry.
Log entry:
2h31
